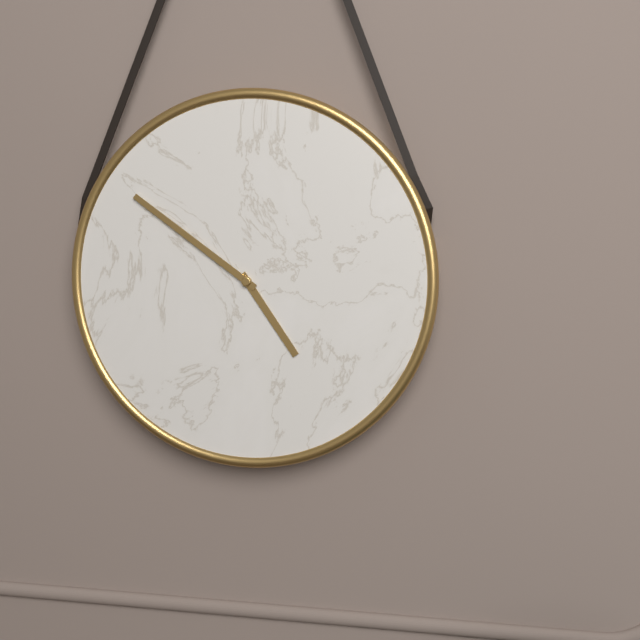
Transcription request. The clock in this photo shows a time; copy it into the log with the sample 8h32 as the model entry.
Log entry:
4h51
